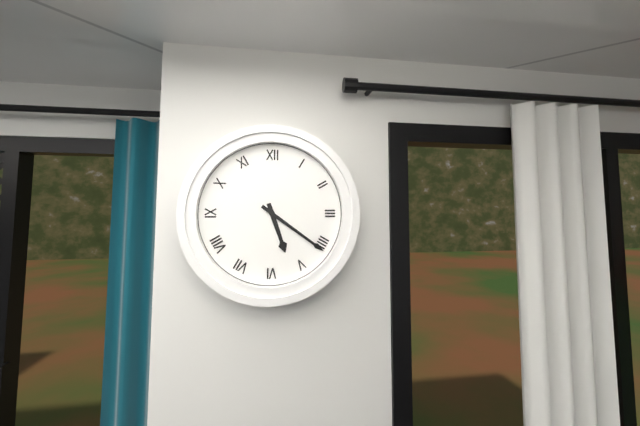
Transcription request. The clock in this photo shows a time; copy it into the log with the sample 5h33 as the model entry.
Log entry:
5h21
